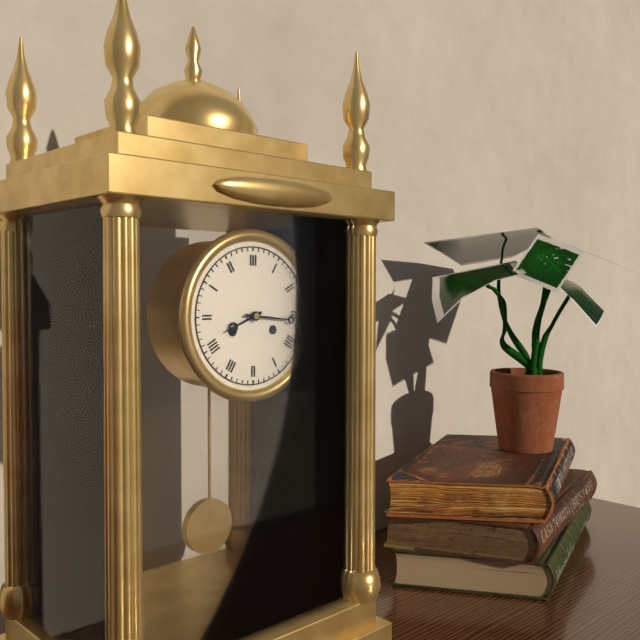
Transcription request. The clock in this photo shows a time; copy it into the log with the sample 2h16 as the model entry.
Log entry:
8h16
